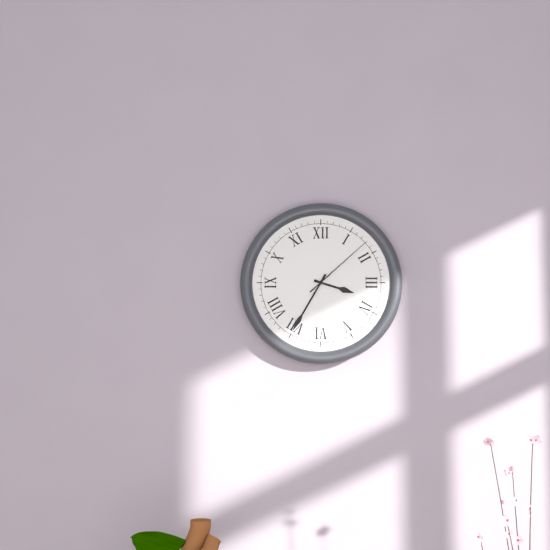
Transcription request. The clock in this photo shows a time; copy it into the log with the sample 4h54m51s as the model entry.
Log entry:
3h35m08s
